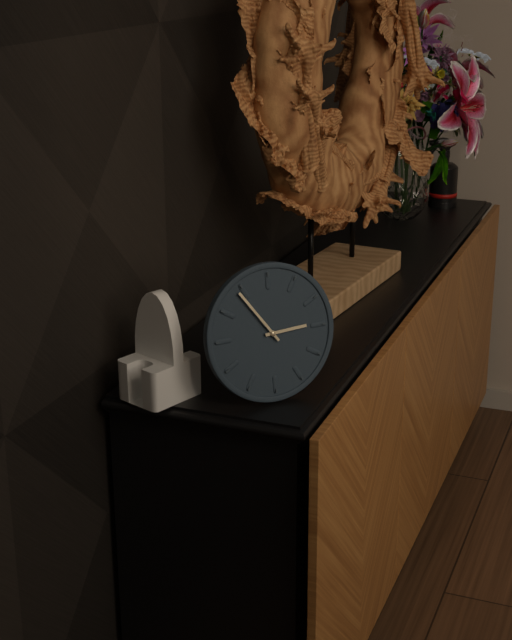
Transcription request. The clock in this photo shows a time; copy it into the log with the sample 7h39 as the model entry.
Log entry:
2h54
